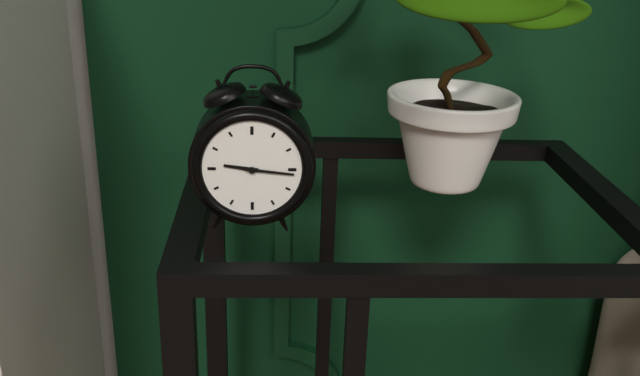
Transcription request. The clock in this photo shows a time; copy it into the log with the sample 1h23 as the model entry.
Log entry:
9h16
